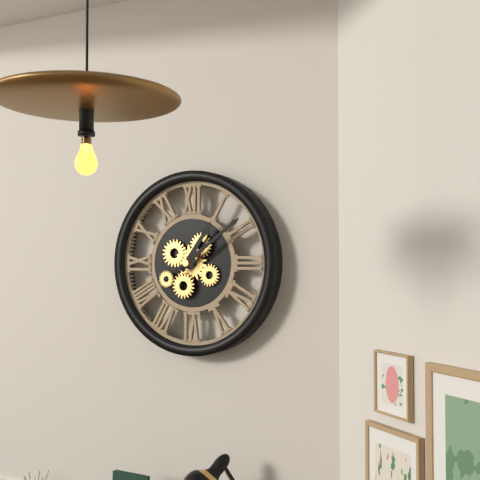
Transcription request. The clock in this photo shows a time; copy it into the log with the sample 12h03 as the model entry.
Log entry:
1h09
